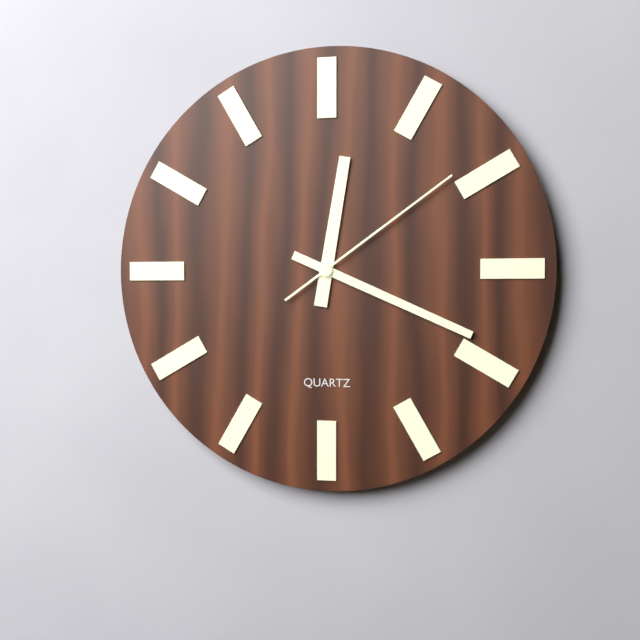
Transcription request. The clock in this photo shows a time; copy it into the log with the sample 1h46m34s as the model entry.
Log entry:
12h19m09s
